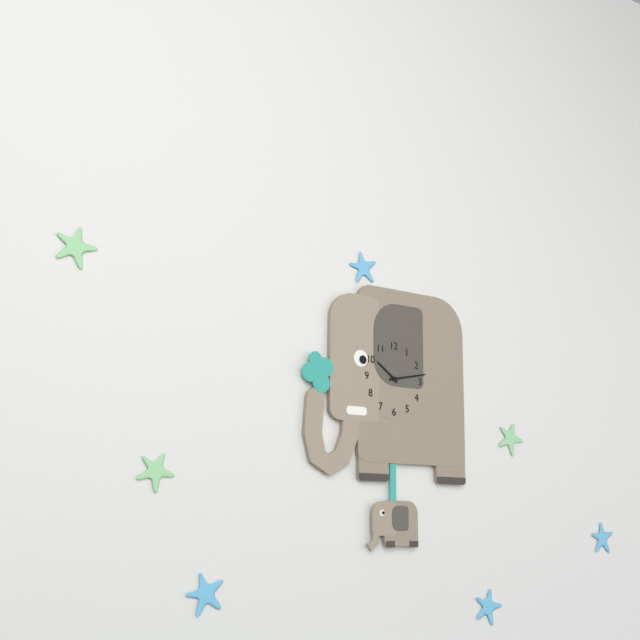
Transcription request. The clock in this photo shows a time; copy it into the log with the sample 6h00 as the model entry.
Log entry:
10h13
